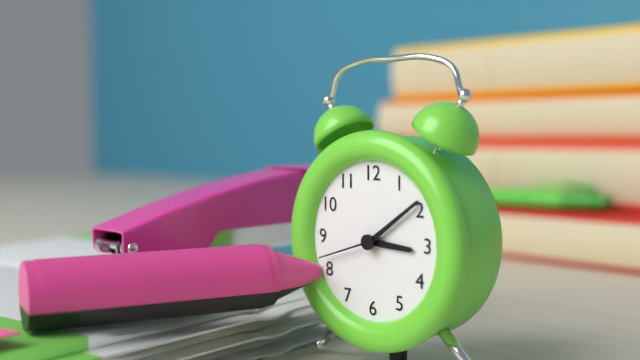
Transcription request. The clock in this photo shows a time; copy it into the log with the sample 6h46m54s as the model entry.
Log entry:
3h09m42s
